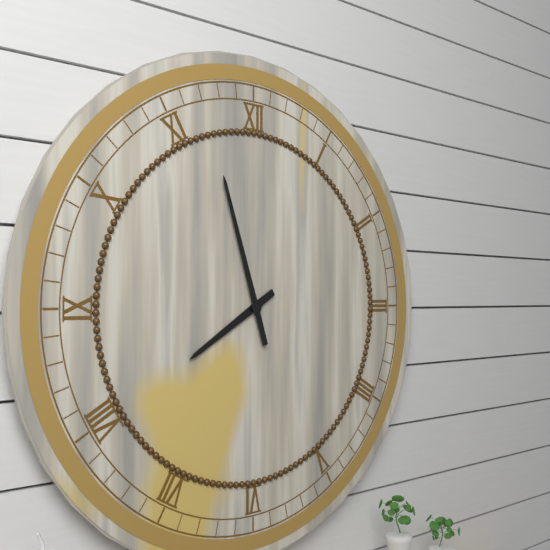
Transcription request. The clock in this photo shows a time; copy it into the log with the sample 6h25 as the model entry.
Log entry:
7h57
